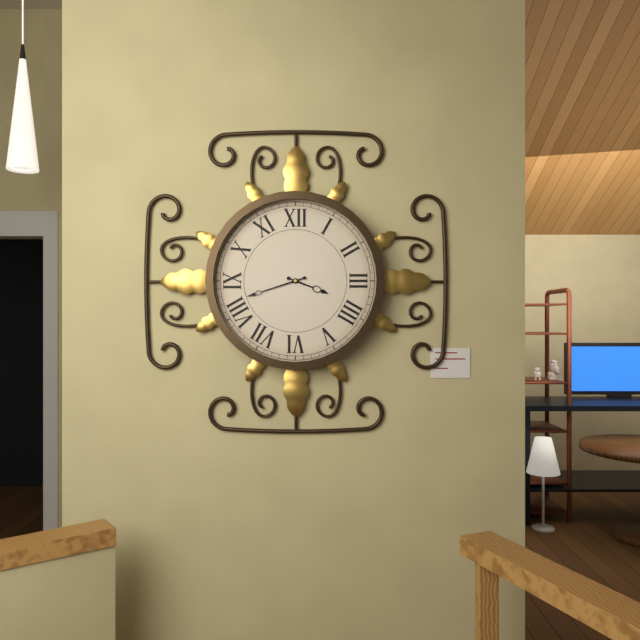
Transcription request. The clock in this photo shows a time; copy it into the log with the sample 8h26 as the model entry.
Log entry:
3h42
